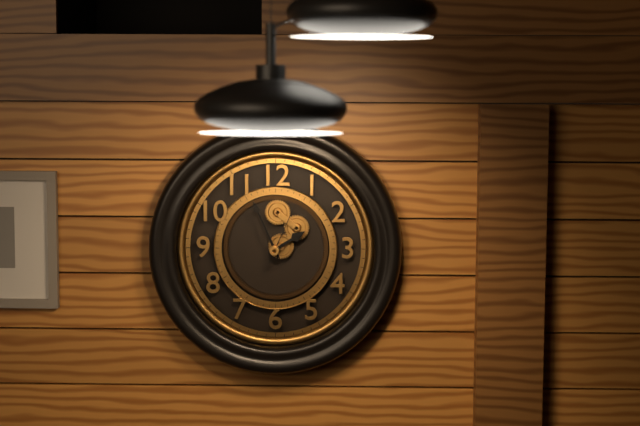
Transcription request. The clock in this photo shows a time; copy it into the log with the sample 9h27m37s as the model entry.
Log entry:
1h56m04s
